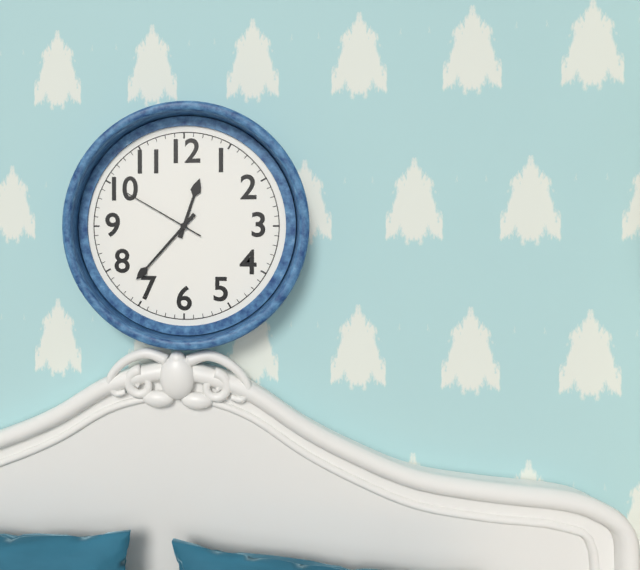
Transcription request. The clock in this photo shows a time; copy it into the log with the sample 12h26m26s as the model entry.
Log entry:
12h37m50s
